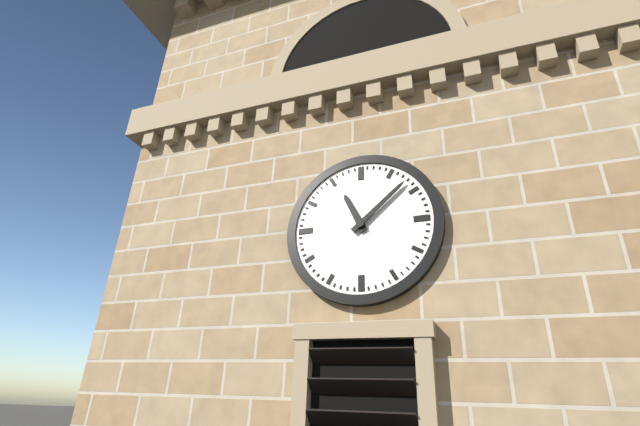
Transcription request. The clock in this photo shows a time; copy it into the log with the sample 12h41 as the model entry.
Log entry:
11h08
